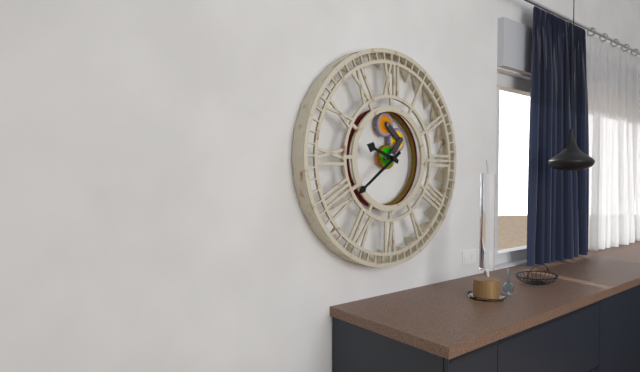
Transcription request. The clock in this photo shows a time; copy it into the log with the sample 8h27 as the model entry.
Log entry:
9h39
